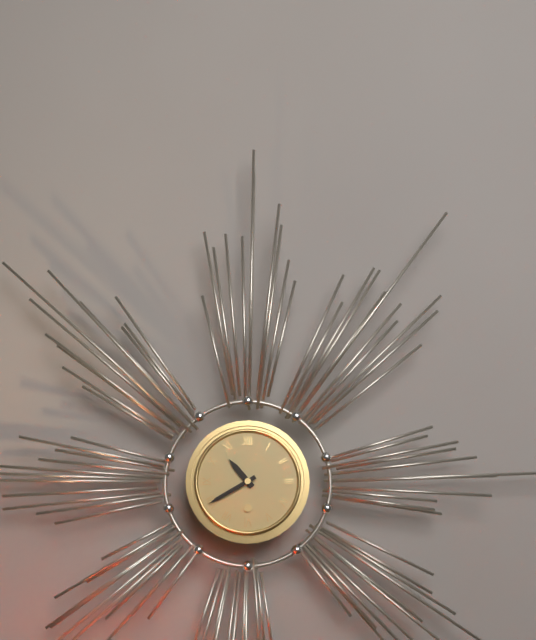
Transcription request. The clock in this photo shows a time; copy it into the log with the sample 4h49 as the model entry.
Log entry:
10h40
